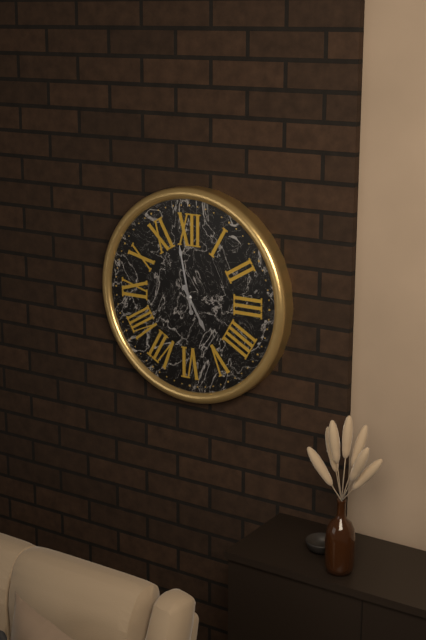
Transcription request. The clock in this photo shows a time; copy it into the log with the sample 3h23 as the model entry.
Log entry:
4h58
